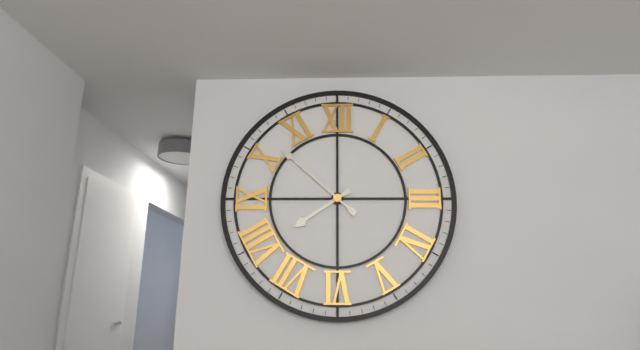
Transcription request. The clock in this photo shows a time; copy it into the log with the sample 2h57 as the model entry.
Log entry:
7h52
